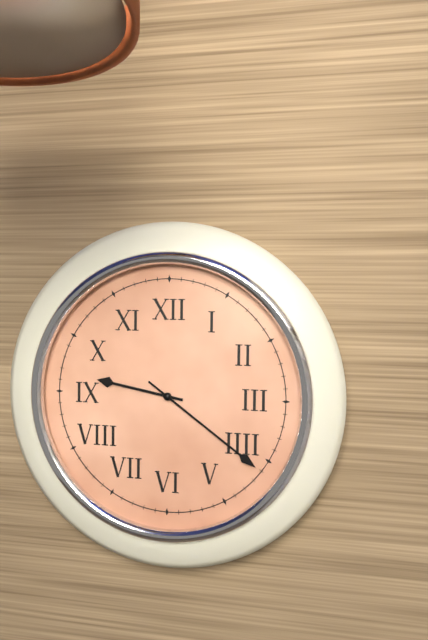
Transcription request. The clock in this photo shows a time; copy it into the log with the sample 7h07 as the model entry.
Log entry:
9h21
